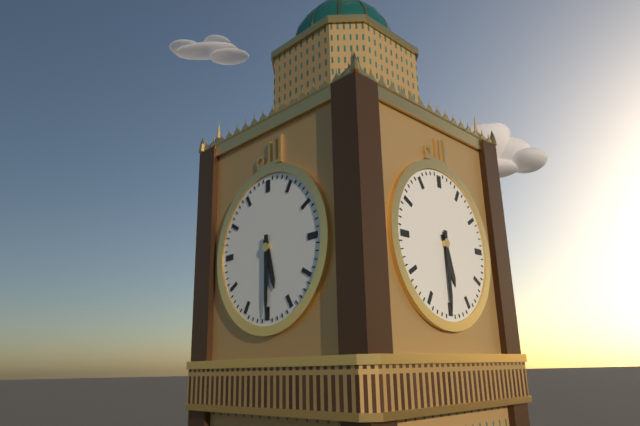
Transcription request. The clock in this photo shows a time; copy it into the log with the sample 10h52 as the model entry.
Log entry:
5h30
